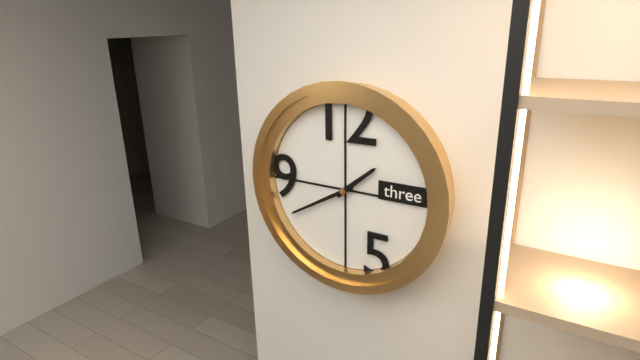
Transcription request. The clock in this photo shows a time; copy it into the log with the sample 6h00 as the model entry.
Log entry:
1h40
